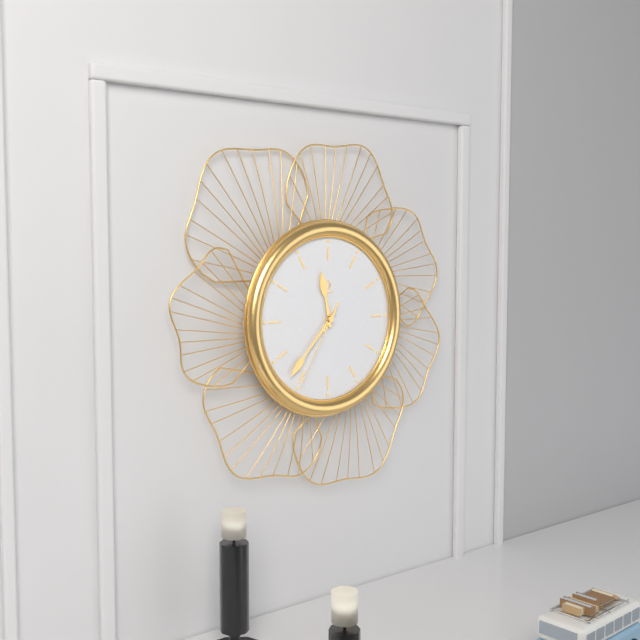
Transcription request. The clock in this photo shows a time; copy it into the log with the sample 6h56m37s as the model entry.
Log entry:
11h37m35s
